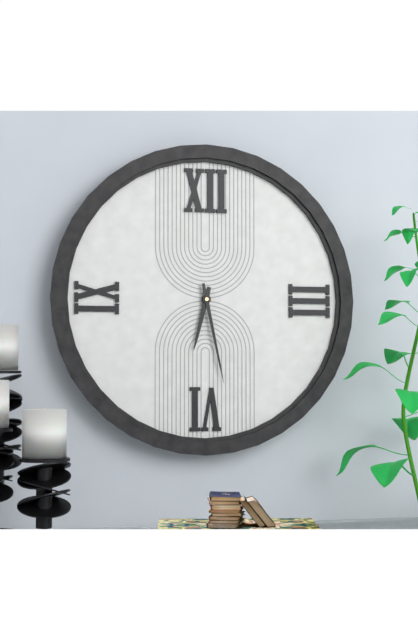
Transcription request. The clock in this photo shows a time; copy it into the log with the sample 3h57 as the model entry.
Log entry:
6h28
